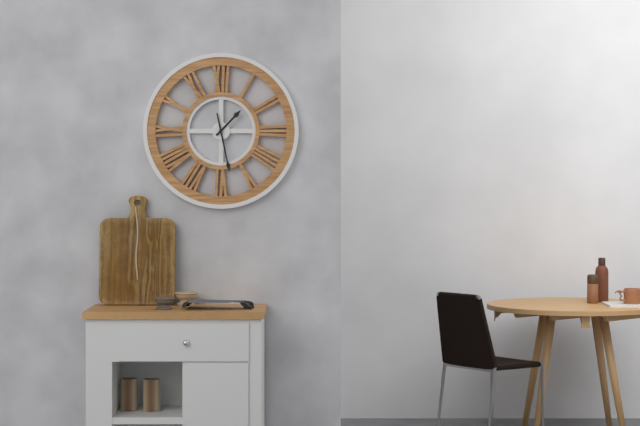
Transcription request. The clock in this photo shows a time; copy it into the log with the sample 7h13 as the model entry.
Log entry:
1h28
